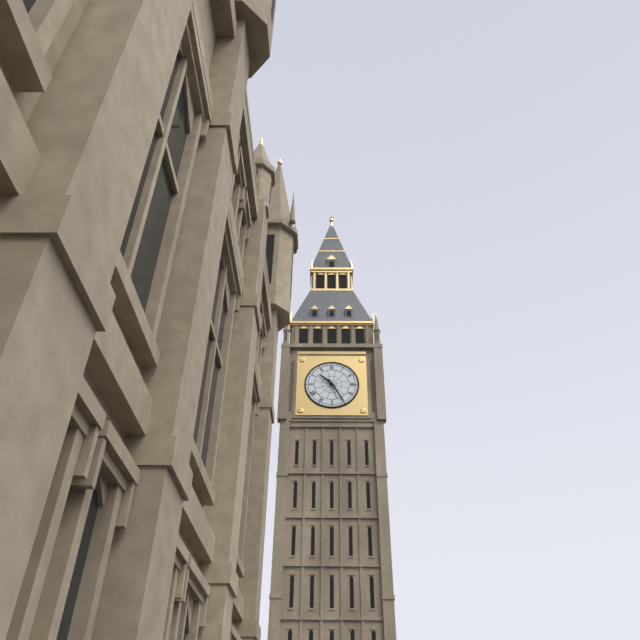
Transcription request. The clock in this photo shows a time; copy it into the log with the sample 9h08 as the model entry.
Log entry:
10h25
